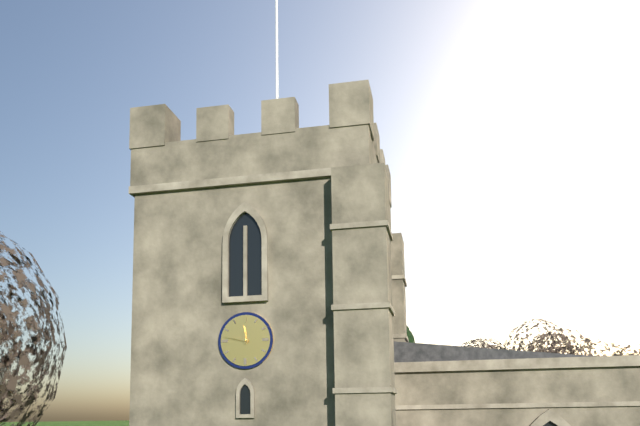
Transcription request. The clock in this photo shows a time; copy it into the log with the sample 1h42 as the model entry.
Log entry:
11h47
